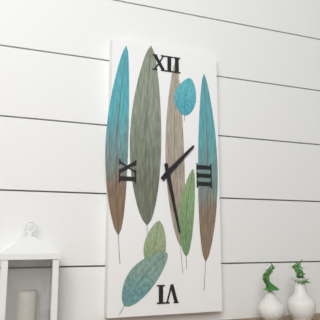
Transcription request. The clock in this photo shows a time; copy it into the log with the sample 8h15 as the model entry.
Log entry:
1h28
